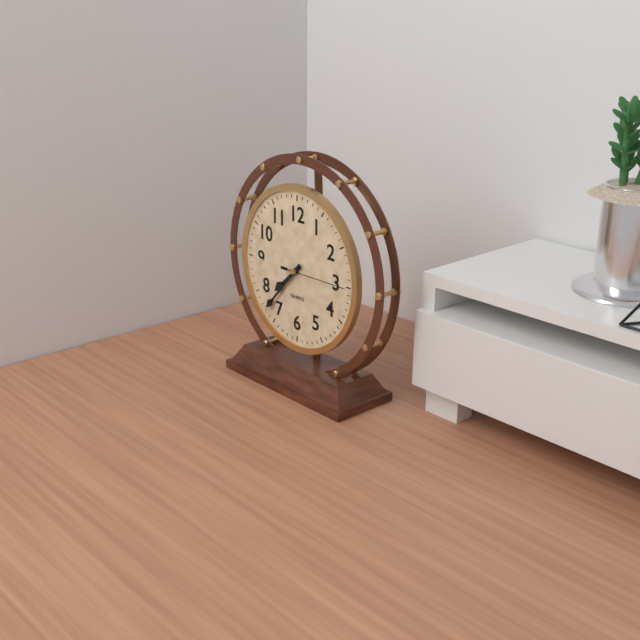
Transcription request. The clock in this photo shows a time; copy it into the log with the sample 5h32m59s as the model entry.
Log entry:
7h37m15s
